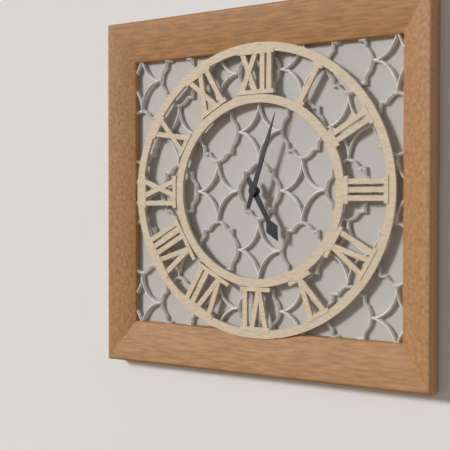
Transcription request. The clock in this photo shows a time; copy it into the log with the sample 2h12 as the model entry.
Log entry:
5h03
